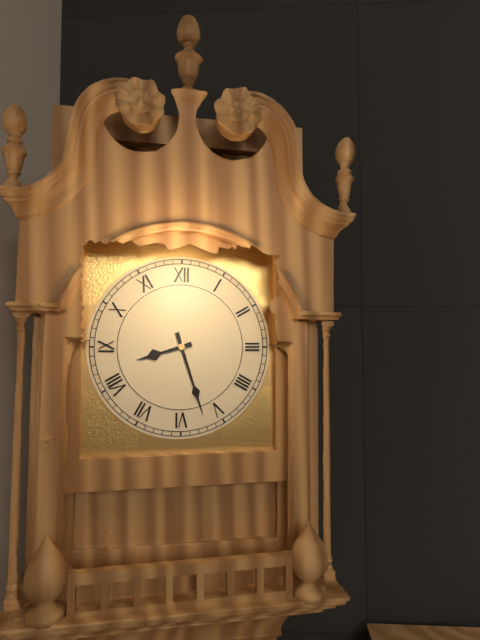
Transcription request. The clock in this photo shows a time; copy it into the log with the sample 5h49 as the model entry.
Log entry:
8h27
